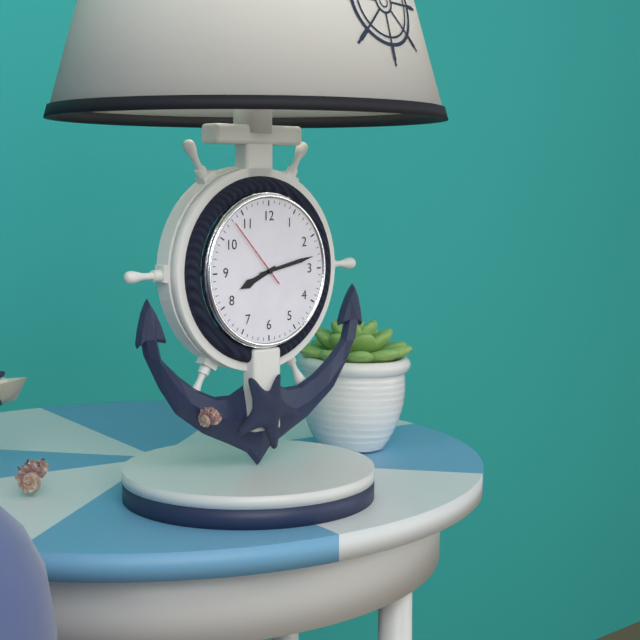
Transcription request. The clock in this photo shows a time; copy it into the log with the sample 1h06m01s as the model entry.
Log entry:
8h13m53s
